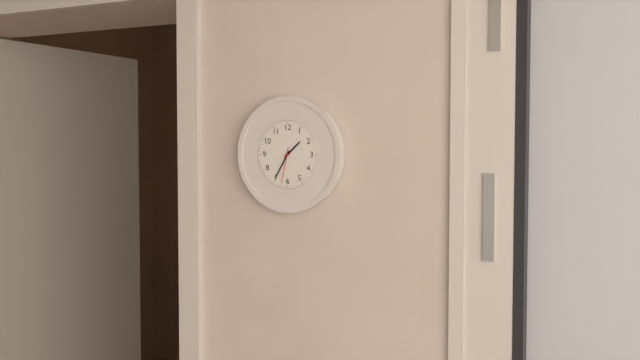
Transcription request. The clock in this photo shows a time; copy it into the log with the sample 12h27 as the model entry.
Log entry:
1h35
